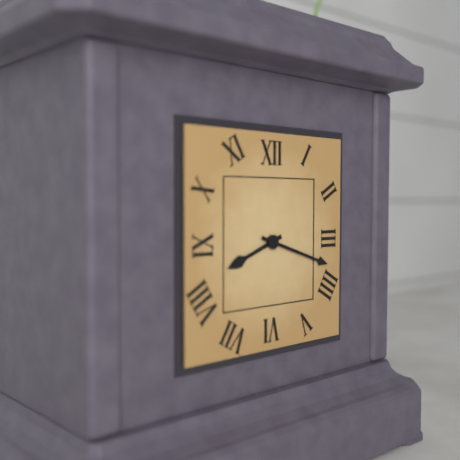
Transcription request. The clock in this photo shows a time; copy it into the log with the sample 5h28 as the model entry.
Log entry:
8h18
